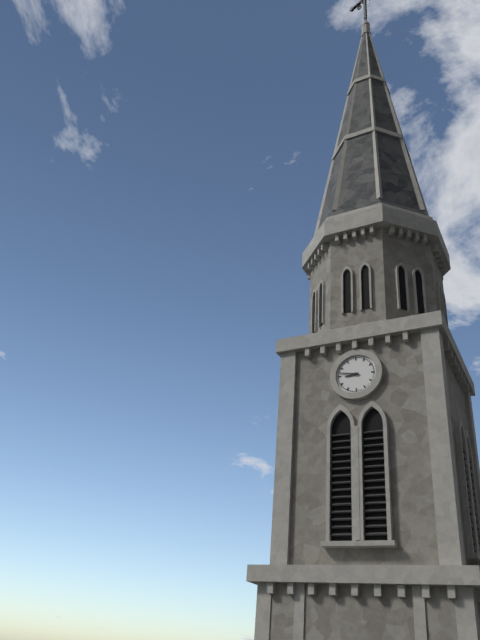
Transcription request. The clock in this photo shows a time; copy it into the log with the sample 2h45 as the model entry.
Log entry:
8h47
